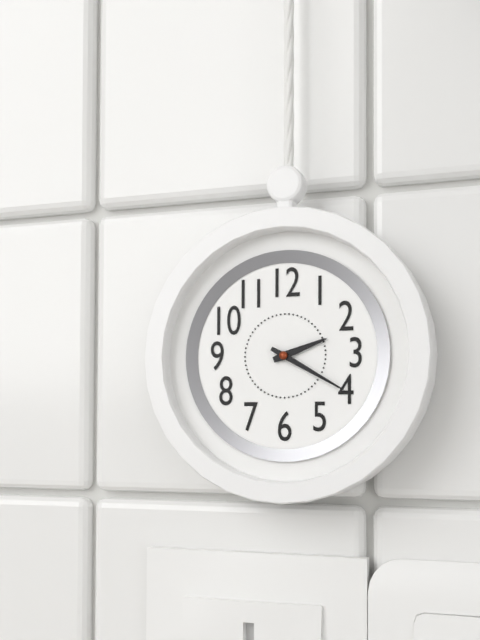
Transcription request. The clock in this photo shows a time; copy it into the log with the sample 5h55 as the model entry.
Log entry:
2h20
